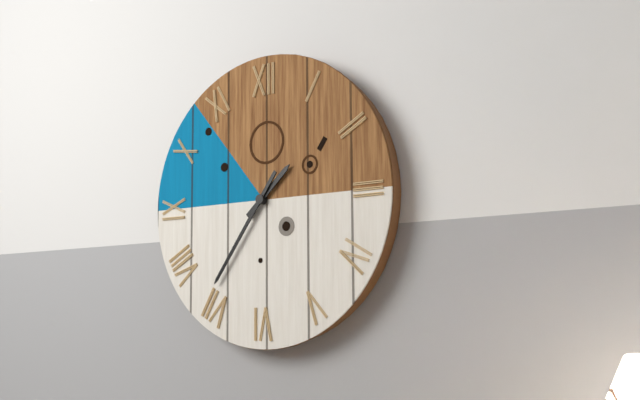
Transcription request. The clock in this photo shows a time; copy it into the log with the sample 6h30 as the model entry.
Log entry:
1h36
